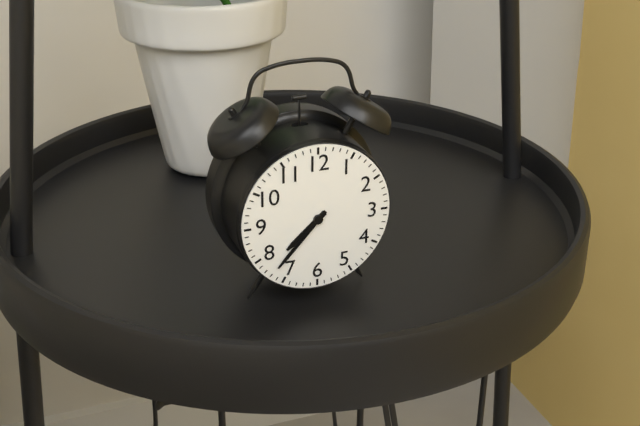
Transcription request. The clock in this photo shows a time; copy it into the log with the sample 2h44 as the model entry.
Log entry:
7h37
